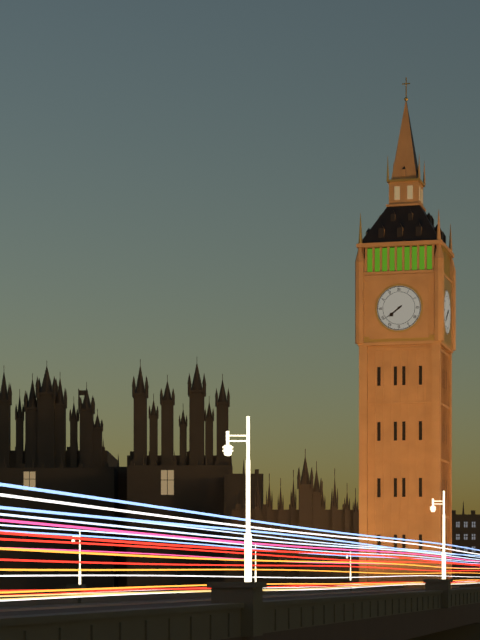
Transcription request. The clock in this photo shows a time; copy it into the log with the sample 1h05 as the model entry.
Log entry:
7h39
